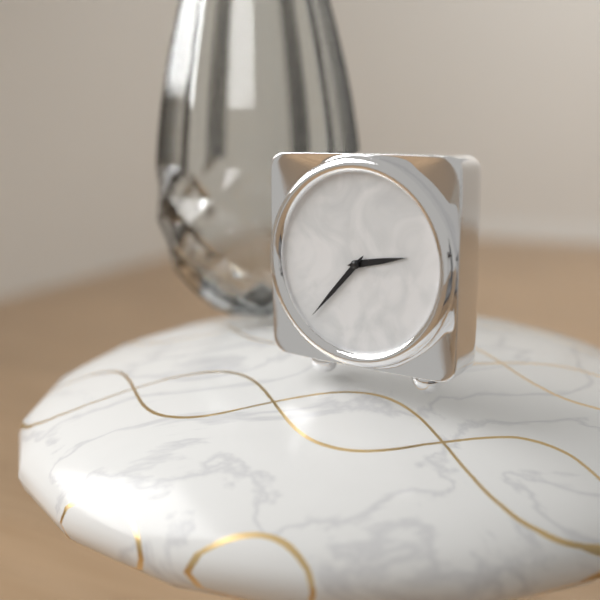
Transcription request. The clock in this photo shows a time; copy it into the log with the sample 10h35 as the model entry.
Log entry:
2h37
